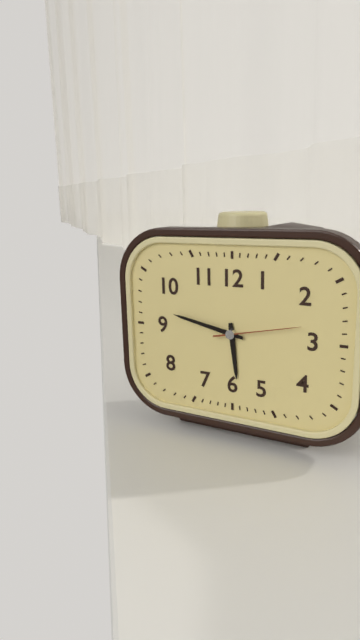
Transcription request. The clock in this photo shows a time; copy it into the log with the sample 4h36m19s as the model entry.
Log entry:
5h47m13s
